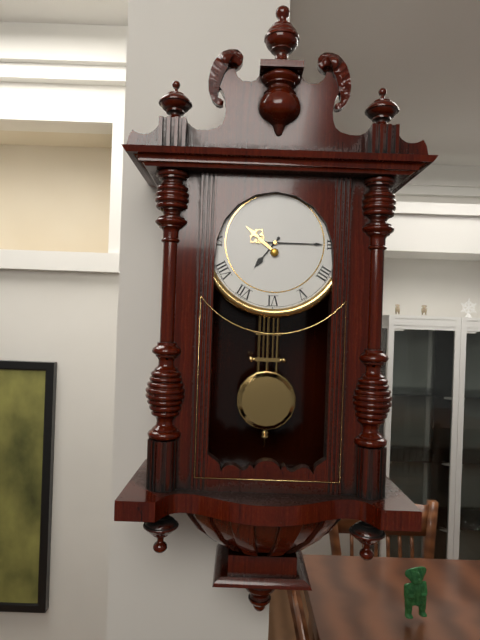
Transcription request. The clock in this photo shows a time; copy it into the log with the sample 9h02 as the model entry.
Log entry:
7h15
